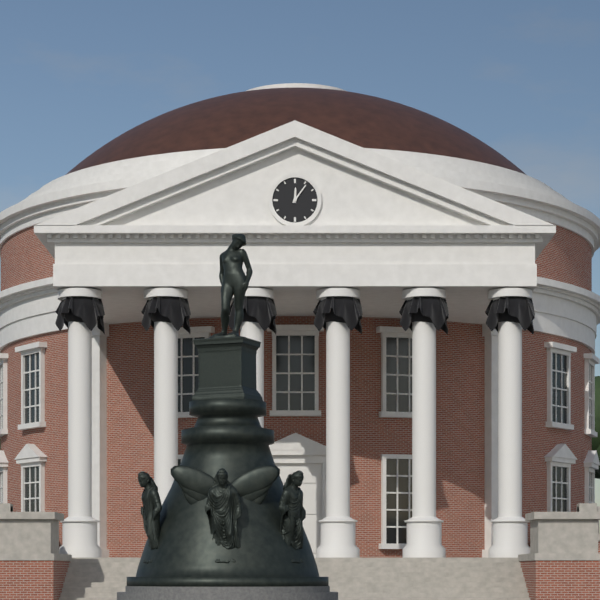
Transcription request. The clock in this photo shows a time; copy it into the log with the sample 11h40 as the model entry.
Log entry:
12h06
